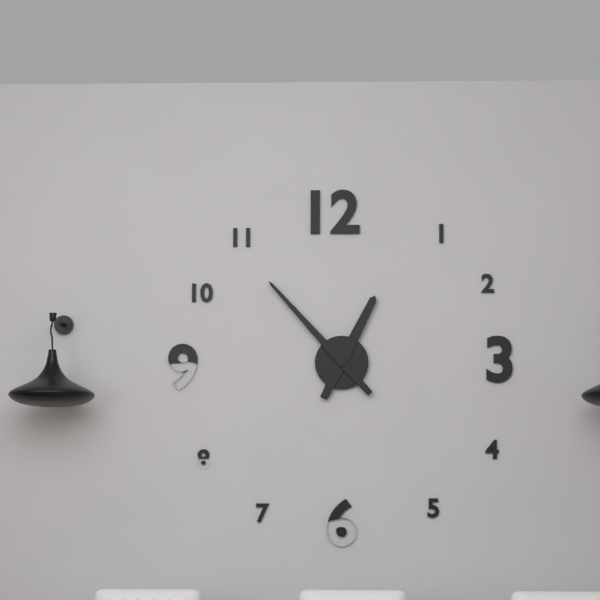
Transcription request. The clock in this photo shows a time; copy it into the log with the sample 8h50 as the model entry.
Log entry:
12h53
